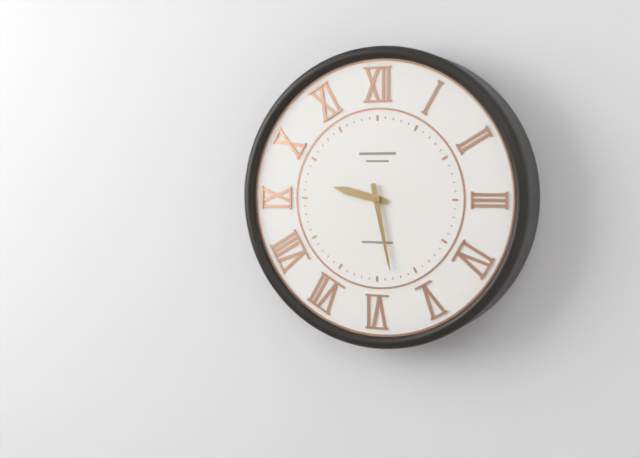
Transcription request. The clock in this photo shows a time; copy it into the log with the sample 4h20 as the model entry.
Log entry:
9h28
